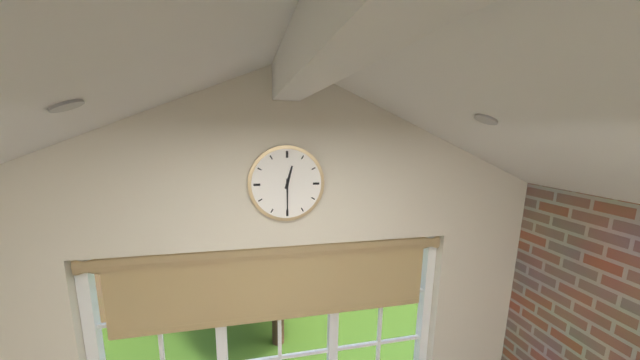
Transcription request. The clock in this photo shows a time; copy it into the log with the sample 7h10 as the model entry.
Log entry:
12h30
